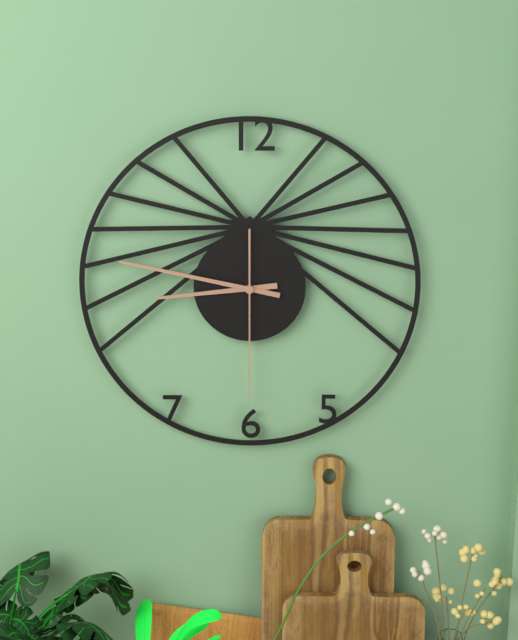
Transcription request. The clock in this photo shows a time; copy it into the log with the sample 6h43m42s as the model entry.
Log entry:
8h47m30s
